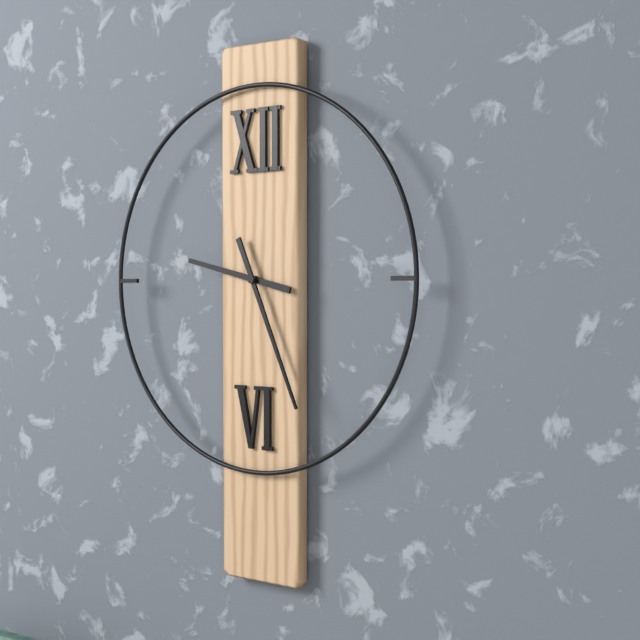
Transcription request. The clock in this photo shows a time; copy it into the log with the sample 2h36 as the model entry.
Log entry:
9h26
